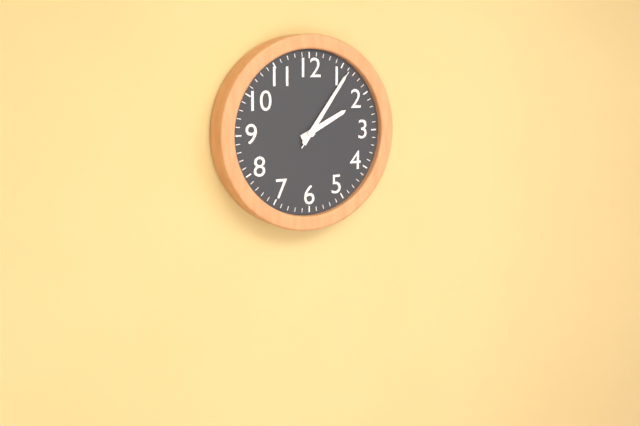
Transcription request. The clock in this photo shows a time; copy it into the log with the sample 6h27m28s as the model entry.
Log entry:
2h06m06s
